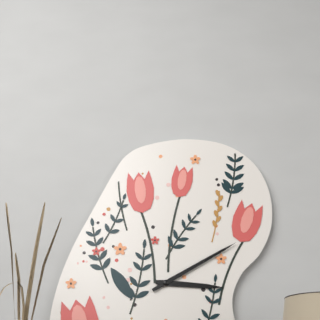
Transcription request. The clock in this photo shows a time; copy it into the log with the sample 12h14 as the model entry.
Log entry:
3h10
